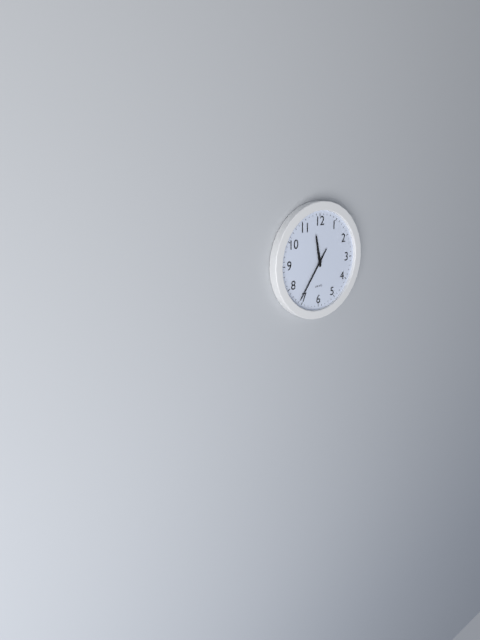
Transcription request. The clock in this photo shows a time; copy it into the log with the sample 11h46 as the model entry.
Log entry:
11h36
